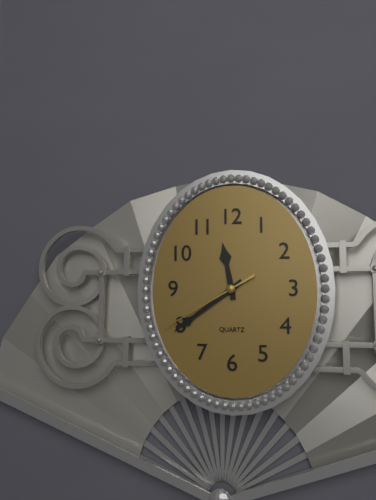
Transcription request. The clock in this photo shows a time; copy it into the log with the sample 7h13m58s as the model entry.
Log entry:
11h39m40s
